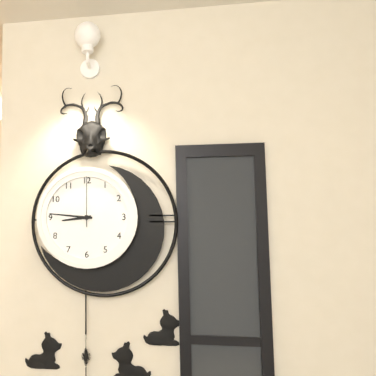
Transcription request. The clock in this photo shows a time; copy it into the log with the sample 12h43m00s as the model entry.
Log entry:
8h46m00s
